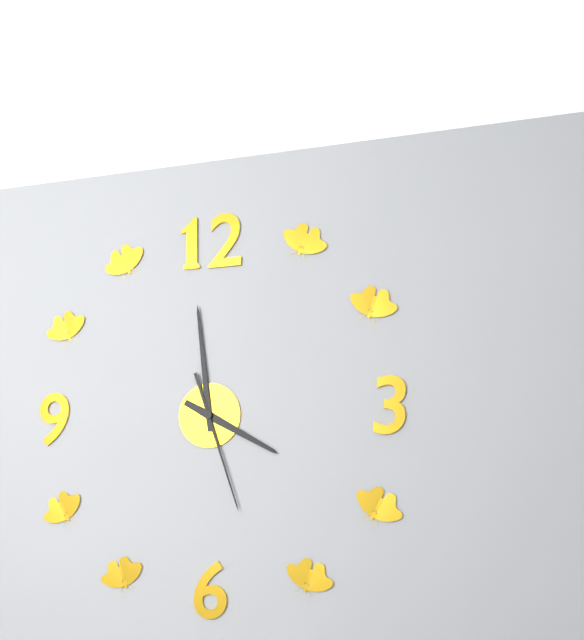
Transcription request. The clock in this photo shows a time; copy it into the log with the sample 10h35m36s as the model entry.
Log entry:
3h59m27s
